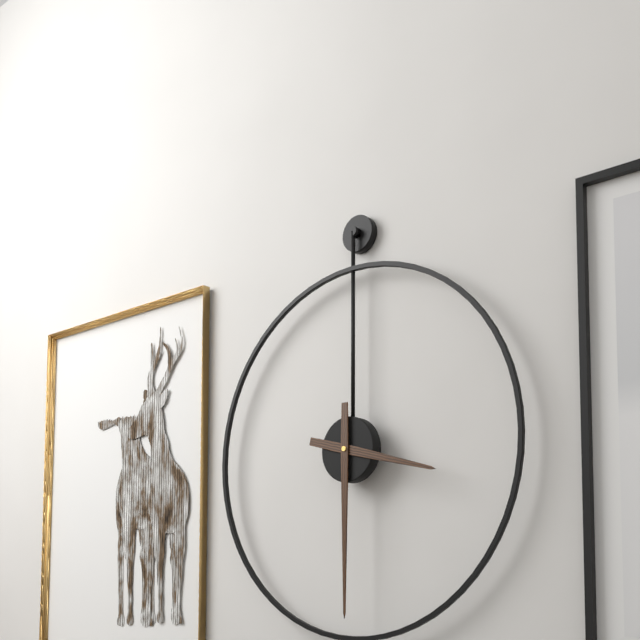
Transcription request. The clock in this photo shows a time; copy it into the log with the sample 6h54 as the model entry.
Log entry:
3h30
